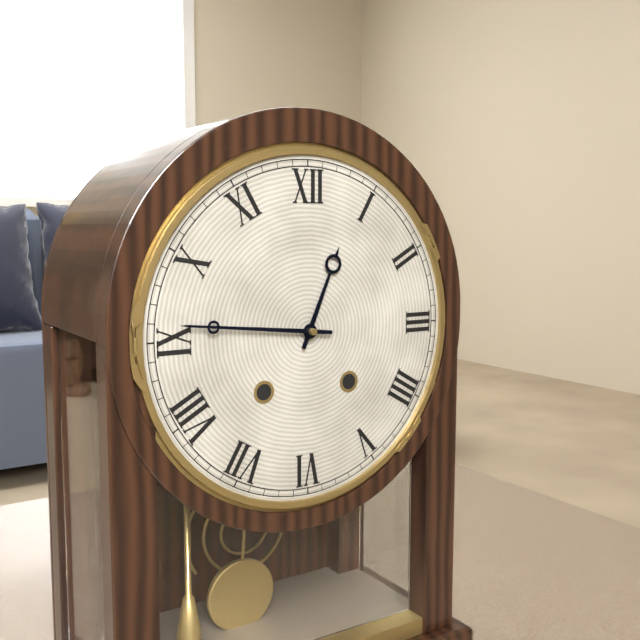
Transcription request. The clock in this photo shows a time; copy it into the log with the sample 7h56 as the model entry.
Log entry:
12h46
